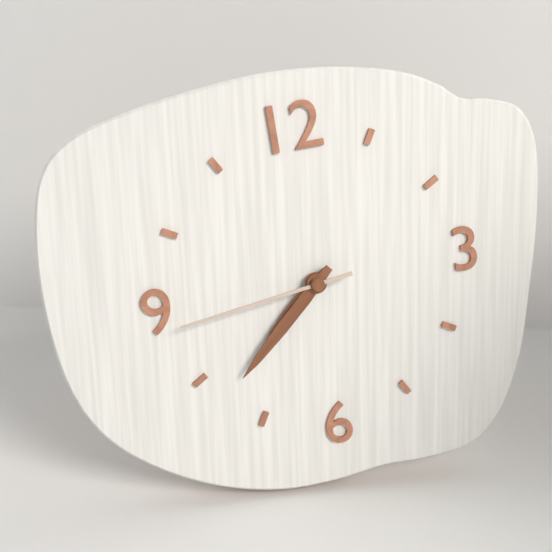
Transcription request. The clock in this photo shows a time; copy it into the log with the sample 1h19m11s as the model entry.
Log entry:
7h38m44s
